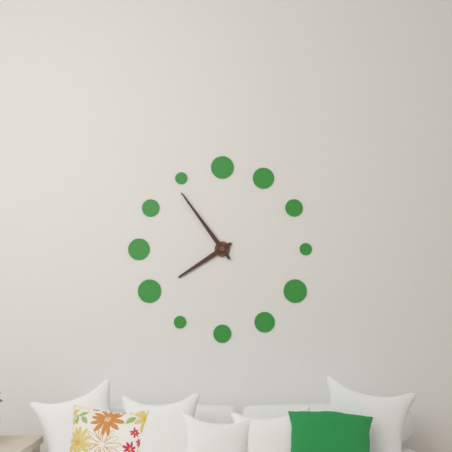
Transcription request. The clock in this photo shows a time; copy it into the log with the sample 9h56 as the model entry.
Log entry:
7h54
